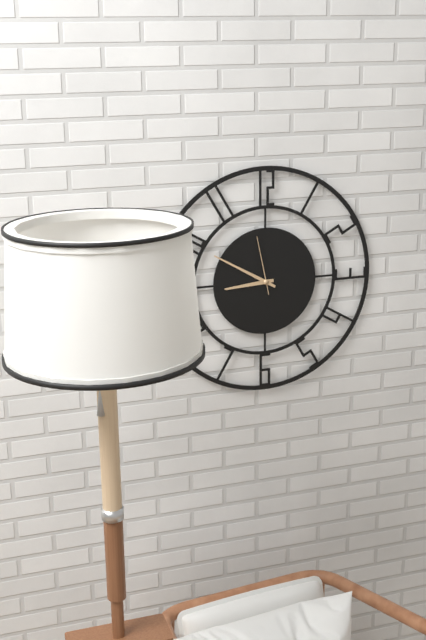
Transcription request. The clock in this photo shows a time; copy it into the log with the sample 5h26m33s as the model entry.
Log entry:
8h50m58s
